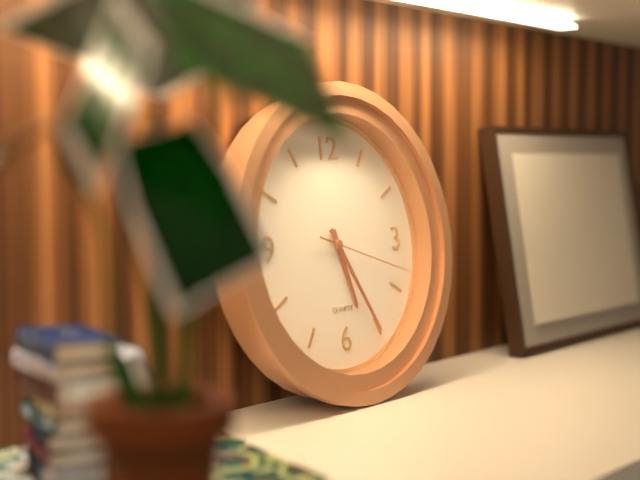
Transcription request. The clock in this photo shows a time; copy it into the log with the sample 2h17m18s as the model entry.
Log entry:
5h25m18s
